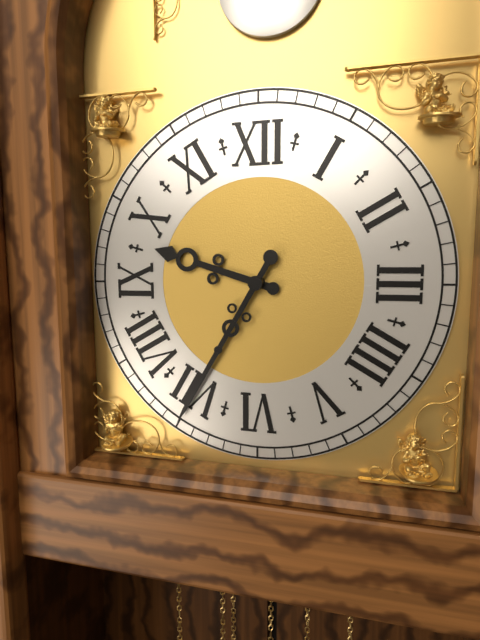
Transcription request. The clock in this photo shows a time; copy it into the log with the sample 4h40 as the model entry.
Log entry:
9h35
